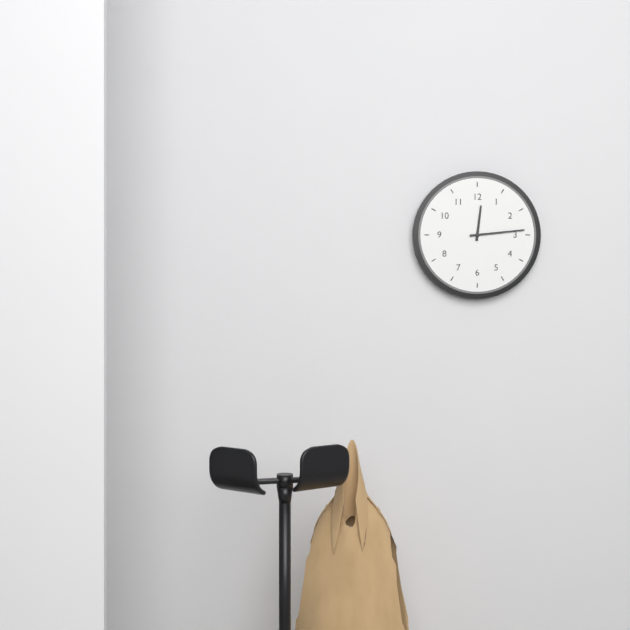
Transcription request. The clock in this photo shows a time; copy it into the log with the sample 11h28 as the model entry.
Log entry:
12h14
